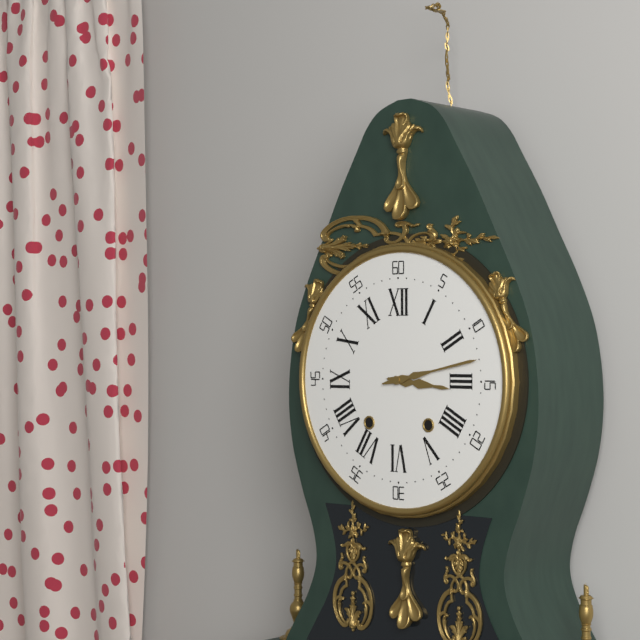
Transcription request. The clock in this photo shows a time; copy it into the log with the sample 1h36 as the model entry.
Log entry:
3h13
